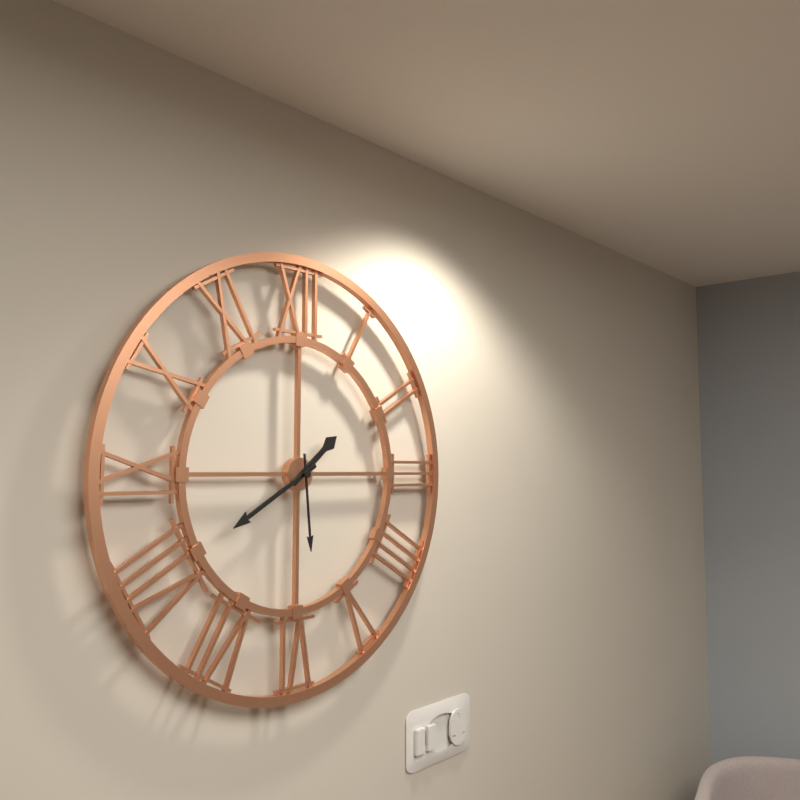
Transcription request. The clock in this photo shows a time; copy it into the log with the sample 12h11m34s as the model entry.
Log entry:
1h40m29s
